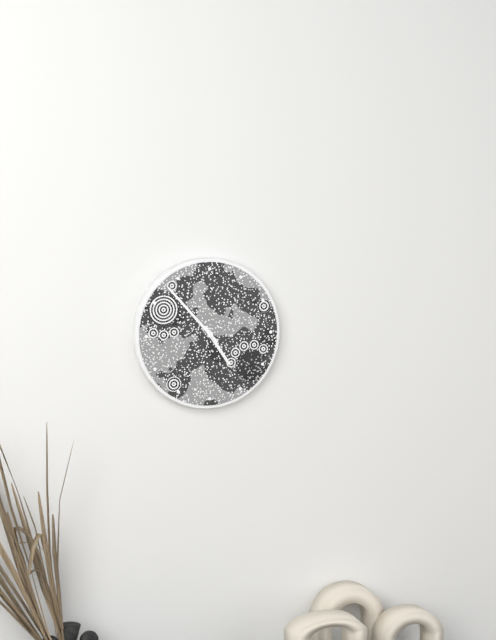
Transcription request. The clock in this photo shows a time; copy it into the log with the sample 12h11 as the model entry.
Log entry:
4h53
